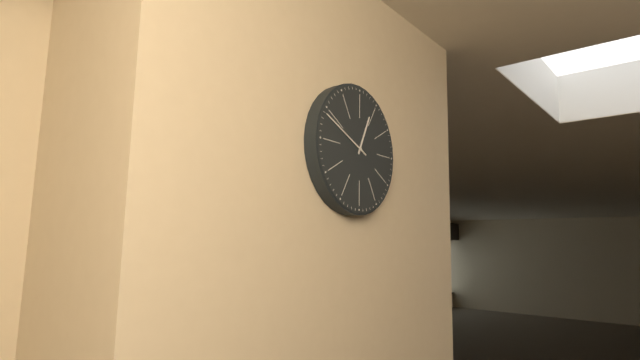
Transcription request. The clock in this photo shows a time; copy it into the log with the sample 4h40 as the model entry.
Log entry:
12h49
